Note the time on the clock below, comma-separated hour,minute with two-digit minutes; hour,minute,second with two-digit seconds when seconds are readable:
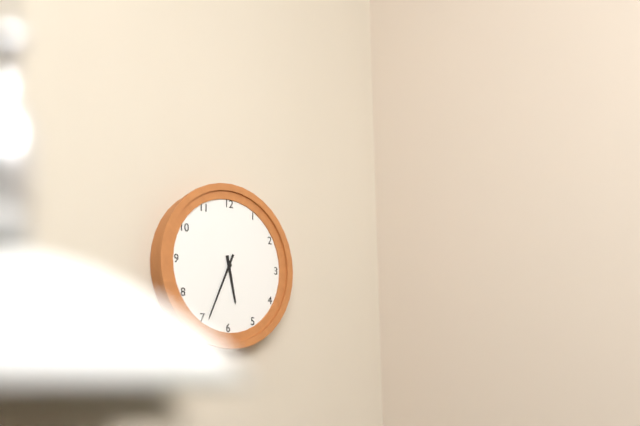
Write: 5,34
